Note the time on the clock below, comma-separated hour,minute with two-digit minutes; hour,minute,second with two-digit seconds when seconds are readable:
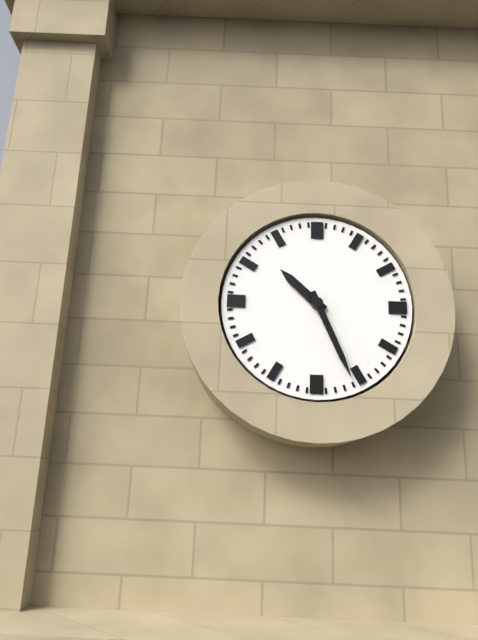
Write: 10,26
